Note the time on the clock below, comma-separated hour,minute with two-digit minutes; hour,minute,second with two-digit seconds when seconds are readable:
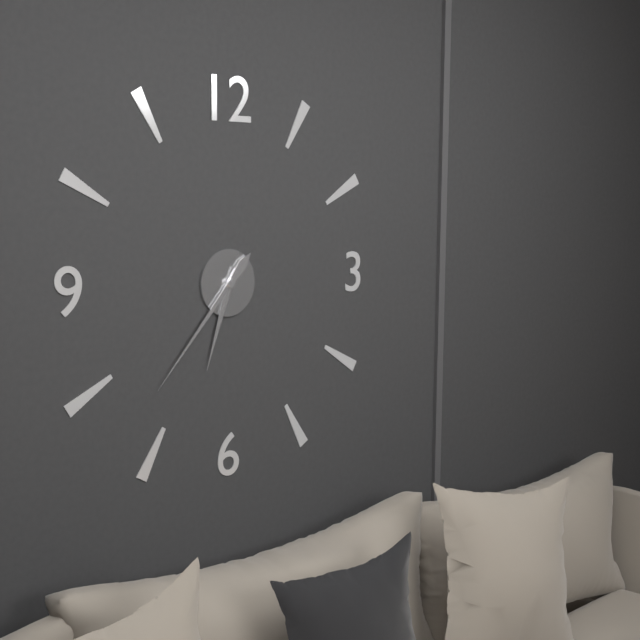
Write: 6,37
